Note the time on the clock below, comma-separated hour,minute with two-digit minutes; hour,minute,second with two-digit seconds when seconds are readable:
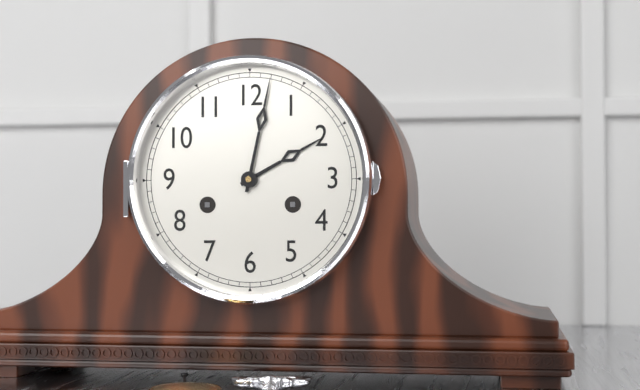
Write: 2,02
